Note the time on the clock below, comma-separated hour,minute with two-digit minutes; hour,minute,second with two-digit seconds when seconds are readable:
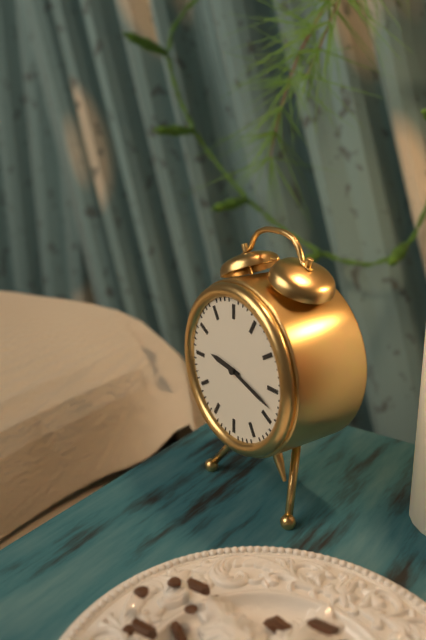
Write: 9,18
